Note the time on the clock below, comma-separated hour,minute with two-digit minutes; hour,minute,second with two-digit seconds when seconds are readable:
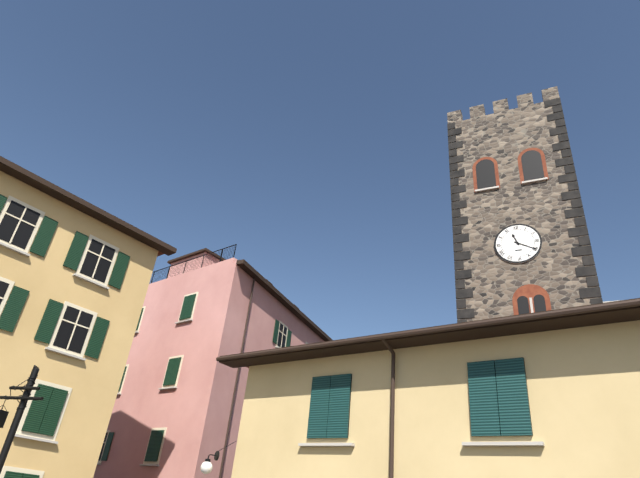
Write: 11,20
